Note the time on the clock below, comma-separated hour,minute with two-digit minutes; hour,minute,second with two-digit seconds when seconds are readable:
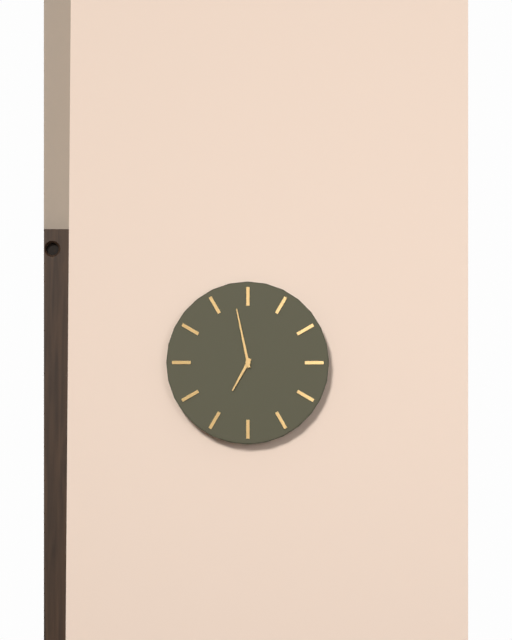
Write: 6,58
